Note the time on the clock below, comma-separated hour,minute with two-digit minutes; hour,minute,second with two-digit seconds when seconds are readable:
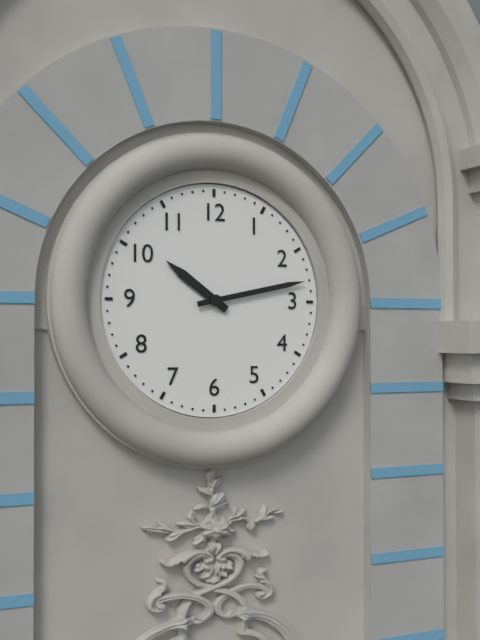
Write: 10,13
